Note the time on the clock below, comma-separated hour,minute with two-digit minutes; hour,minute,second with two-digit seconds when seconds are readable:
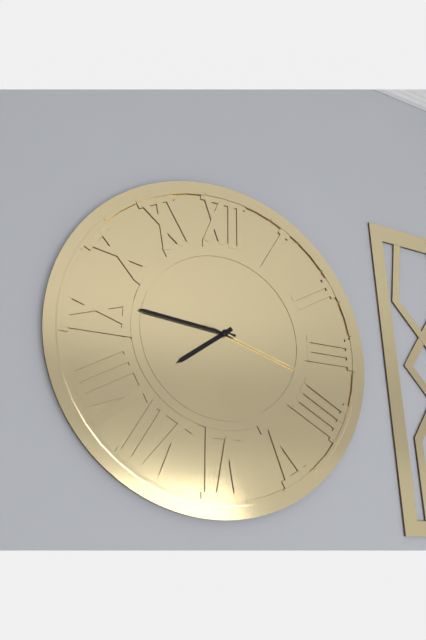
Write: 7,46,18
